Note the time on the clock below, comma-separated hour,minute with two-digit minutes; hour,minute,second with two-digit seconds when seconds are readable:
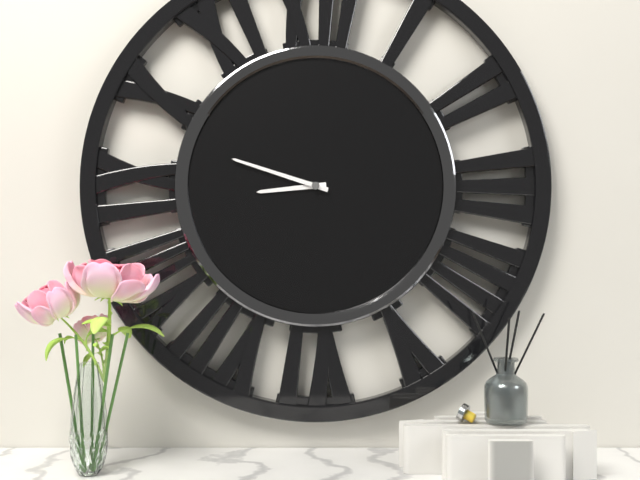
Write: 8,48
